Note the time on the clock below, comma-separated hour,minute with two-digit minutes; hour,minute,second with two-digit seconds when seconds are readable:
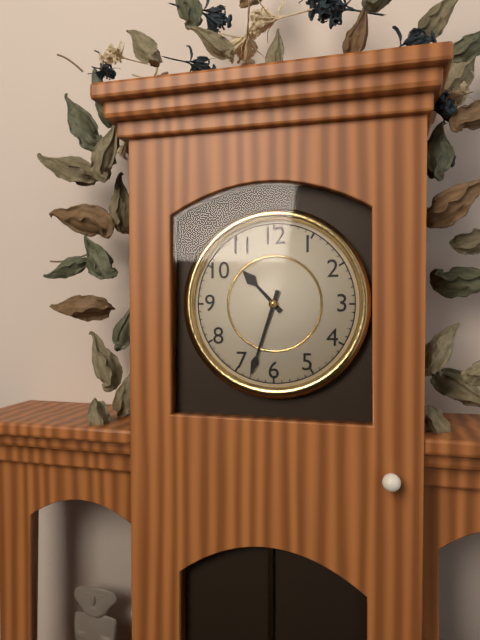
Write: 10,33
